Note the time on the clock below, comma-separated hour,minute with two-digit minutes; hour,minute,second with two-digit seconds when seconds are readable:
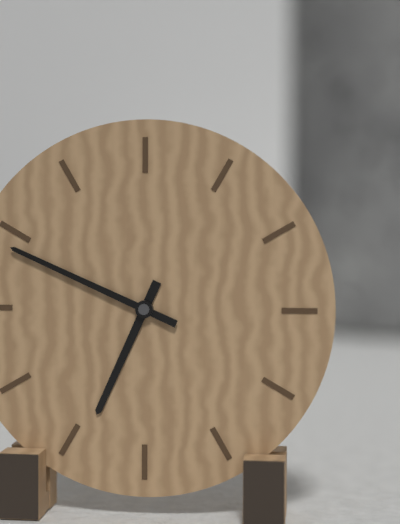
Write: 6,49
